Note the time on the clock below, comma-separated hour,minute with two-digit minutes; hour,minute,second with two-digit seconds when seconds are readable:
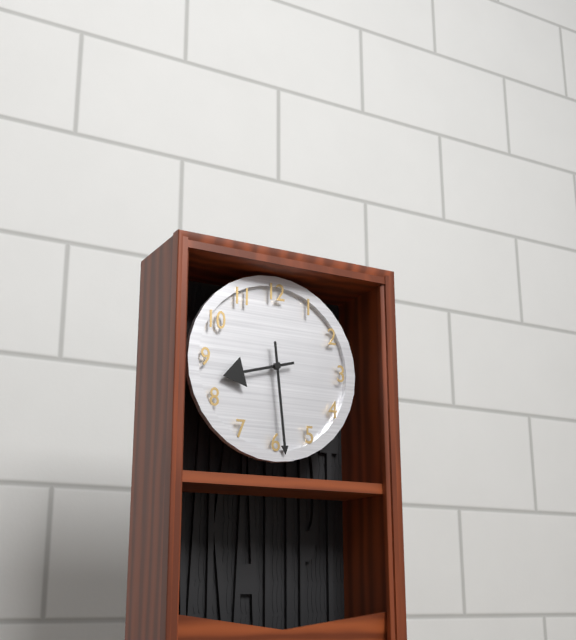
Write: 8,29
